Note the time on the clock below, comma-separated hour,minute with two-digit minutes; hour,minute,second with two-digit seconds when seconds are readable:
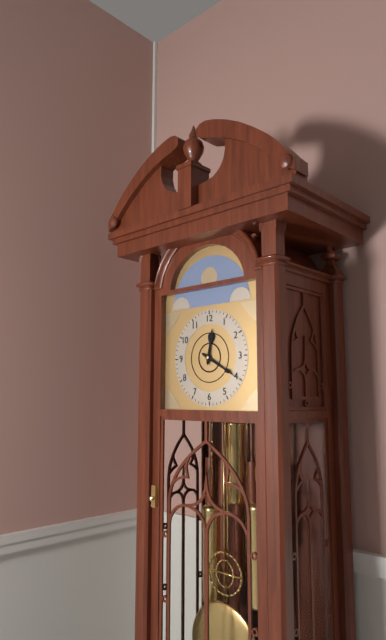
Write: 12,20
